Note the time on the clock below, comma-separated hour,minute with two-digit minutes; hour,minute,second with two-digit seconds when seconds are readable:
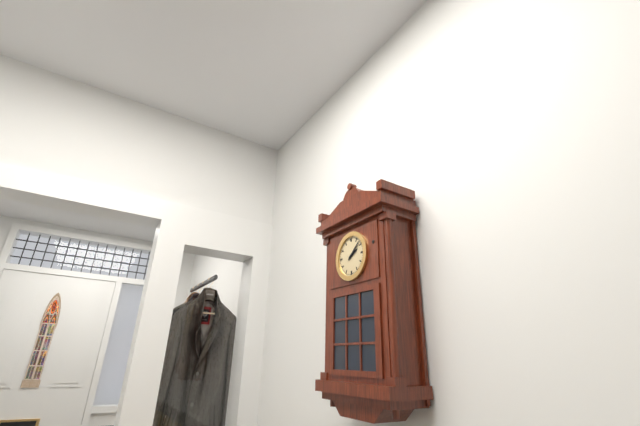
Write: 2,08
